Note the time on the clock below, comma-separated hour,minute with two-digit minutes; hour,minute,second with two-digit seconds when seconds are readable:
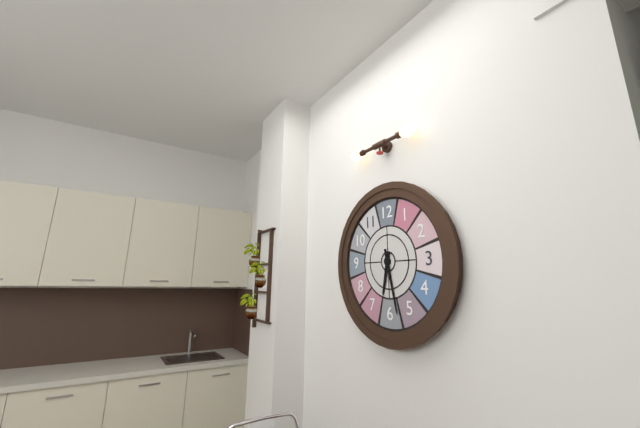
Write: 6,28
